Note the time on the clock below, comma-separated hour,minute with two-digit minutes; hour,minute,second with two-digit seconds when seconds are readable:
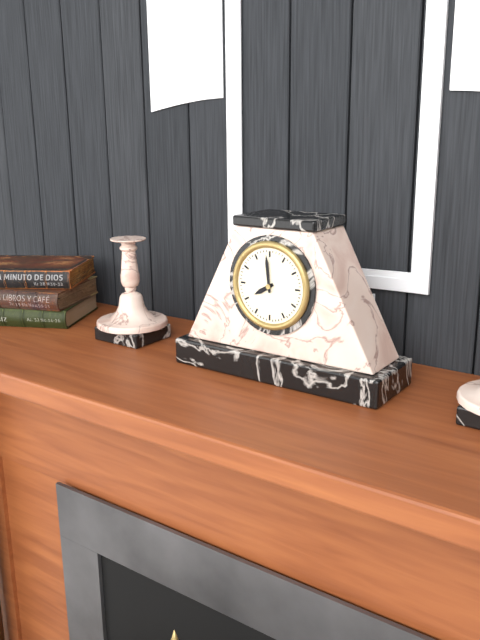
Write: 7,59
